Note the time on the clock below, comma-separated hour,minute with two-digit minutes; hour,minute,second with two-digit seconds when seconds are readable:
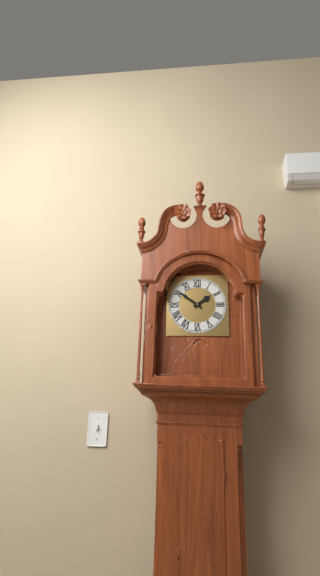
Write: 1,51
